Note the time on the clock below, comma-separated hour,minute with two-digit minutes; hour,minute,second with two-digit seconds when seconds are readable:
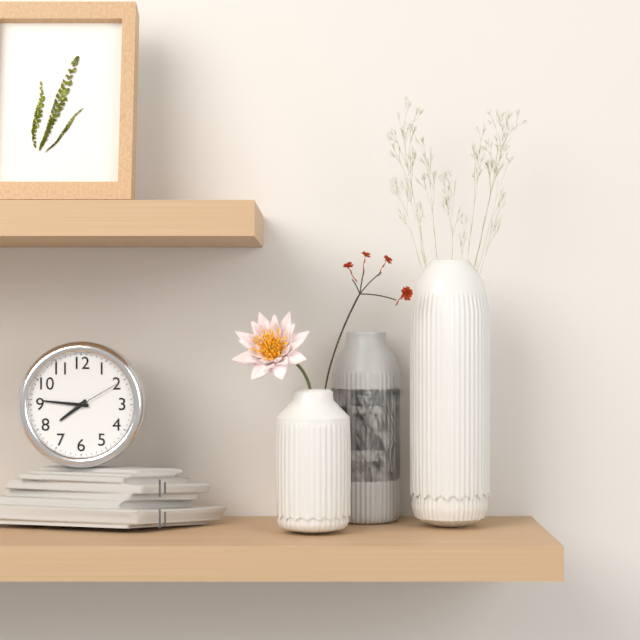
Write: 7,46,10
